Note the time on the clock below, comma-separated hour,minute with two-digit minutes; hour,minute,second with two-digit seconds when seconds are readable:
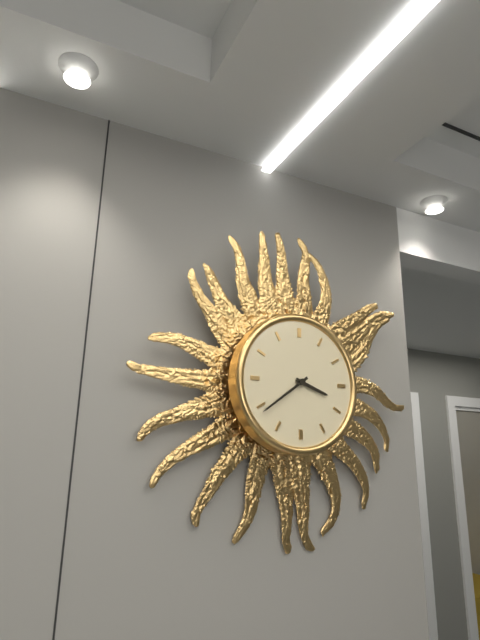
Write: 3,39
